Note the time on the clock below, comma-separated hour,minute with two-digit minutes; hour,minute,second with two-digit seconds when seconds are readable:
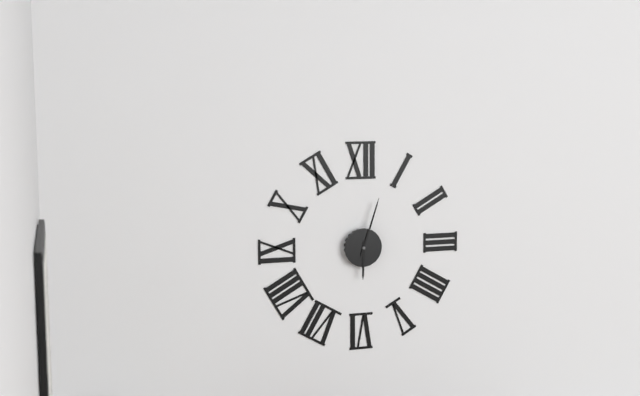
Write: 6,03
